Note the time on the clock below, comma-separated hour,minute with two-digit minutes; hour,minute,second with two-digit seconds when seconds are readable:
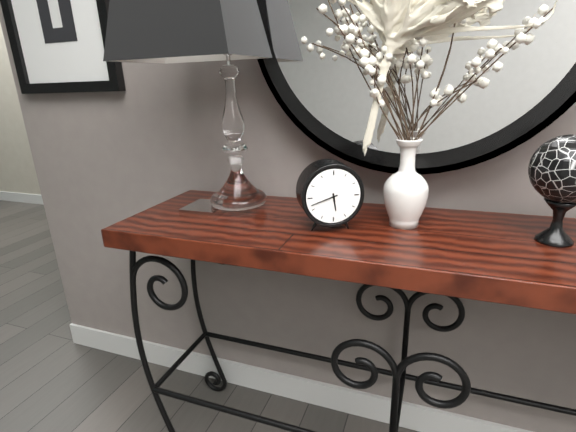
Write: 5,42
